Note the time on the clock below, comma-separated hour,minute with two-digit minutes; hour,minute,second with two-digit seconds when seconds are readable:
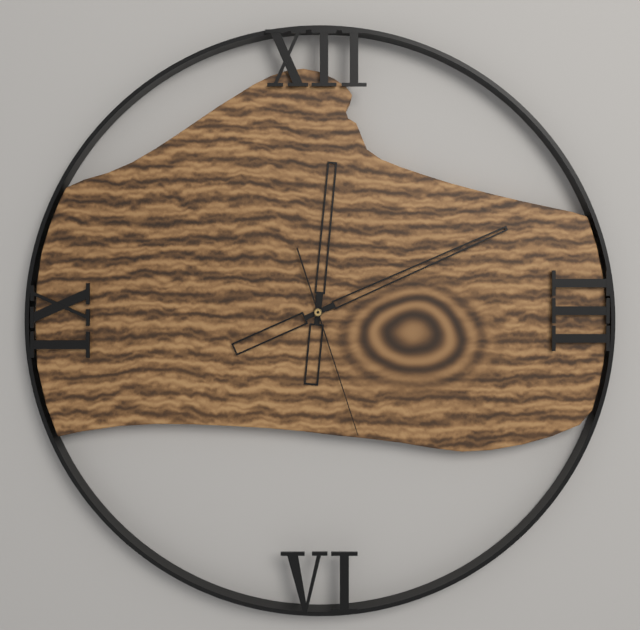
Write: 12,11,27
